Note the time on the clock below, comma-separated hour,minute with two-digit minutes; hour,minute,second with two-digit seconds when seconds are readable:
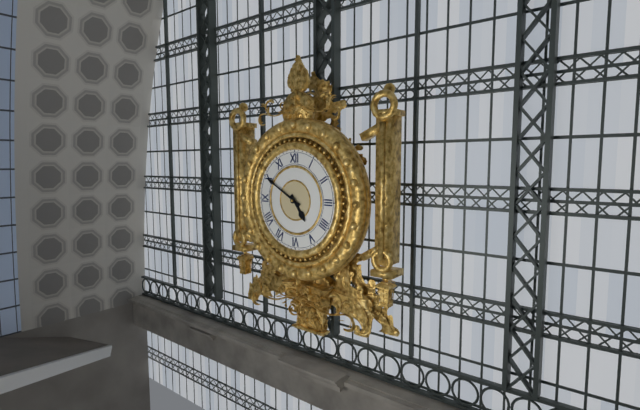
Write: 4,50
